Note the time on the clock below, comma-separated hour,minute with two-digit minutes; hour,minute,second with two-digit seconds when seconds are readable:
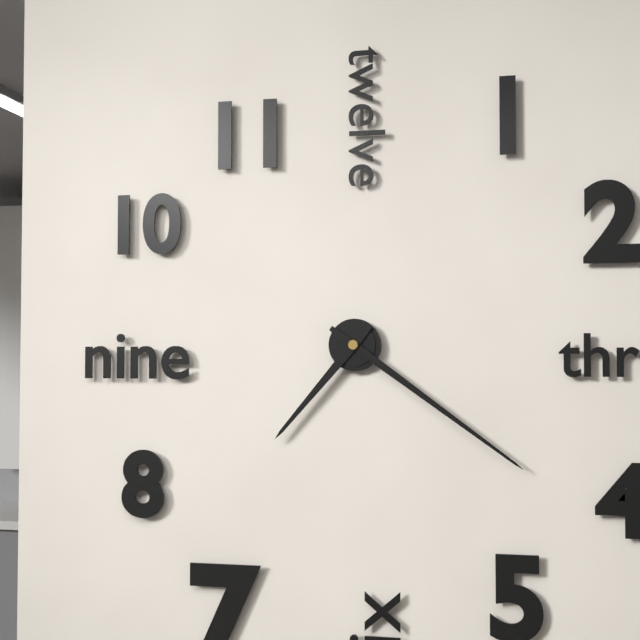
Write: 7,21
